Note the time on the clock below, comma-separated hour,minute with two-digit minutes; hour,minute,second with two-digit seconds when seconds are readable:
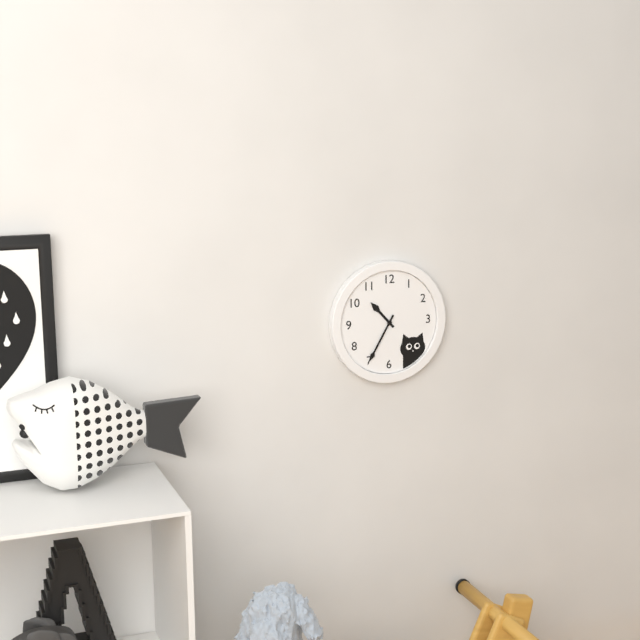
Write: 10,35
